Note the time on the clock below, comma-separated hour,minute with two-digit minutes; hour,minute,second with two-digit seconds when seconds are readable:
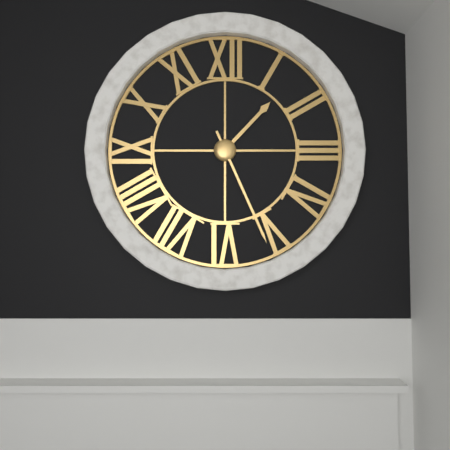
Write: 1,26
